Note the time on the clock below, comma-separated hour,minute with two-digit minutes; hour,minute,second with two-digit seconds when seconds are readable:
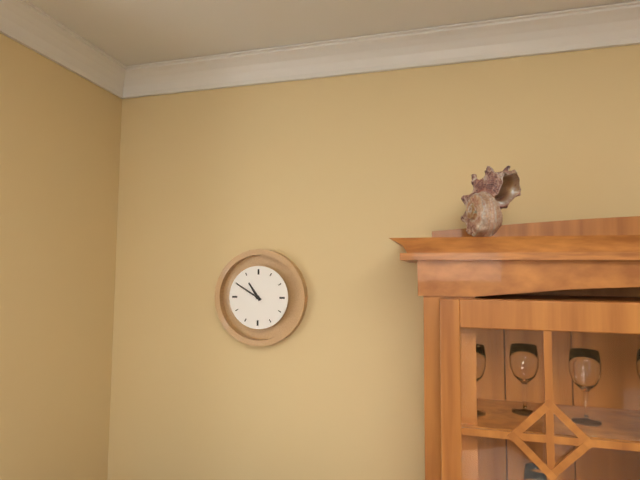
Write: 10,50
